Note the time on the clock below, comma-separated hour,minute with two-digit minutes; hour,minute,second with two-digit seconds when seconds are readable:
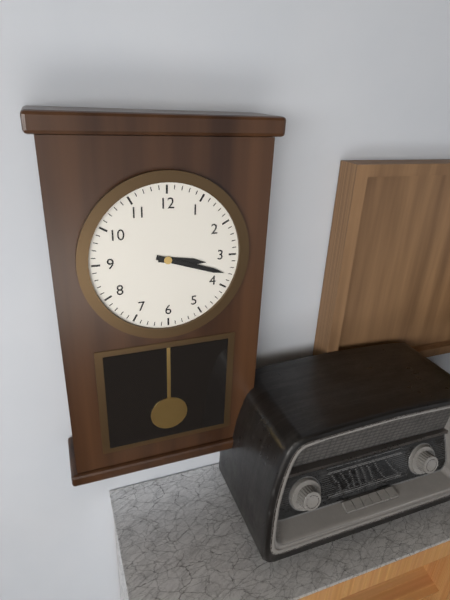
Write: 3,18
